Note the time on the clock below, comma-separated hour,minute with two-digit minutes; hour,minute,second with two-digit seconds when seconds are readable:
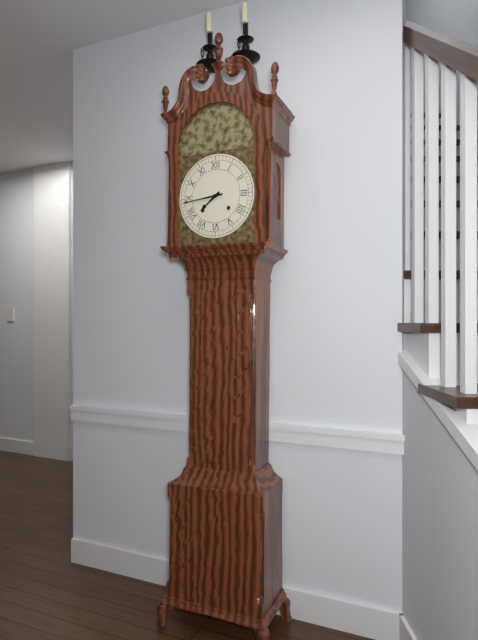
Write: 7,44
